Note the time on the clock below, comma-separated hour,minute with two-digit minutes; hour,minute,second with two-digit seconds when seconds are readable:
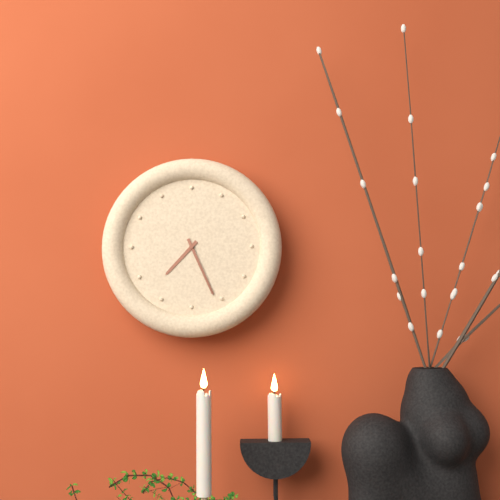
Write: 7,26
